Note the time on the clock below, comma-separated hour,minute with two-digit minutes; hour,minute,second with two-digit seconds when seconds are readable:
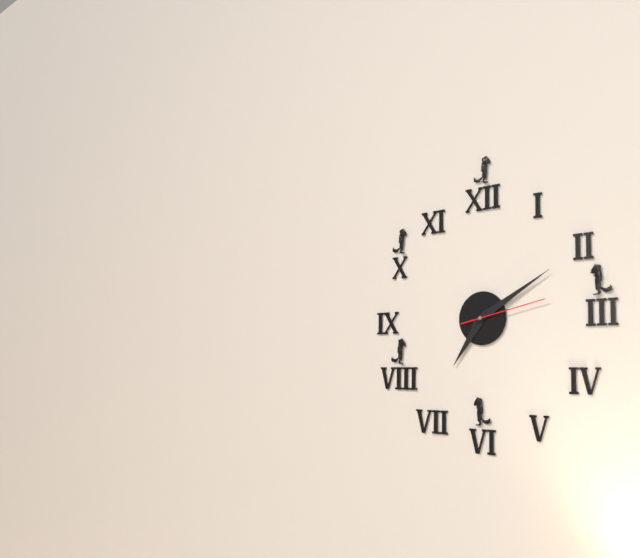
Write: 7,10,13
